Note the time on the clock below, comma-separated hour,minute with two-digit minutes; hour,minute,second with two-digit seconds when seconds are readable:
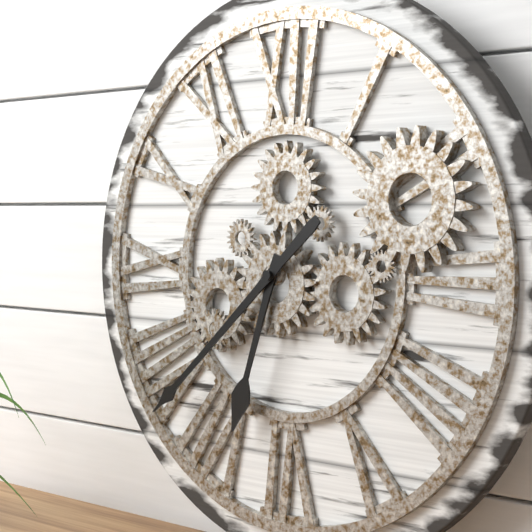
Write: 6,38
